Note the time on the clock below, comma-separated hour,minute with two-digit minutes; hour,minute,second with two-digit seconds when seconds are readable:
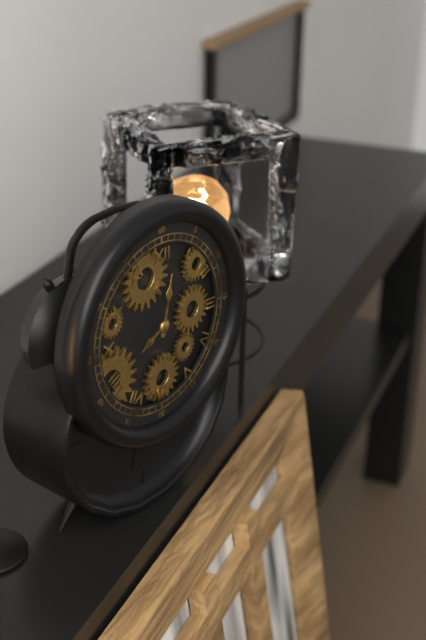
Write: 8,02
